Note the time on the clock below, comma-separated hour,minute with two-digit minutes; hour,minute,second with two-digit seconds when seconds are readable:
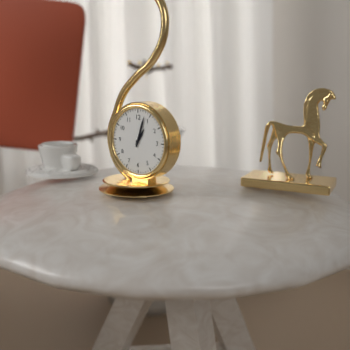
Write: 1,03
